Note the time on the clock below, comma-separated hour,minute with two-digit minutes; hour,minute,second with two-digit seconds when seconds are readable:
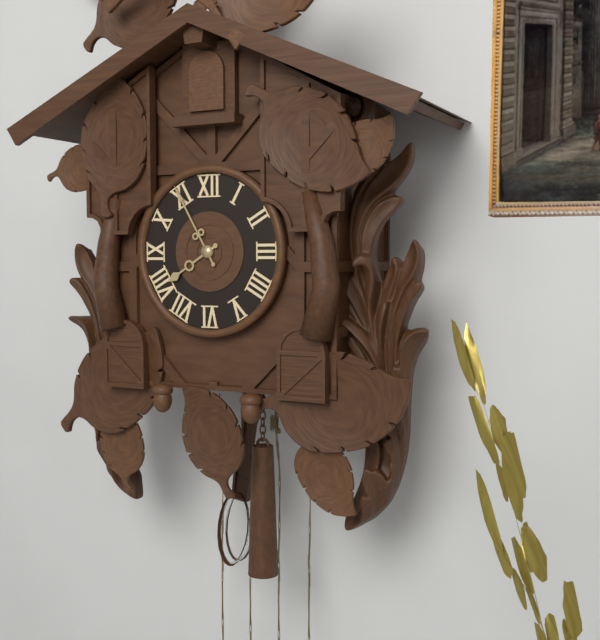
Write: 7,55
